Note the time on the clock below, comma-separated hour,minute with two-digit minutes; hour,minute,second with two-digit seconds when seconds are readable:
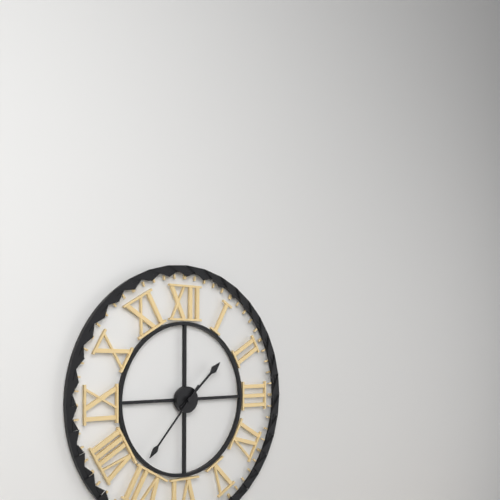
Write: 1,37
